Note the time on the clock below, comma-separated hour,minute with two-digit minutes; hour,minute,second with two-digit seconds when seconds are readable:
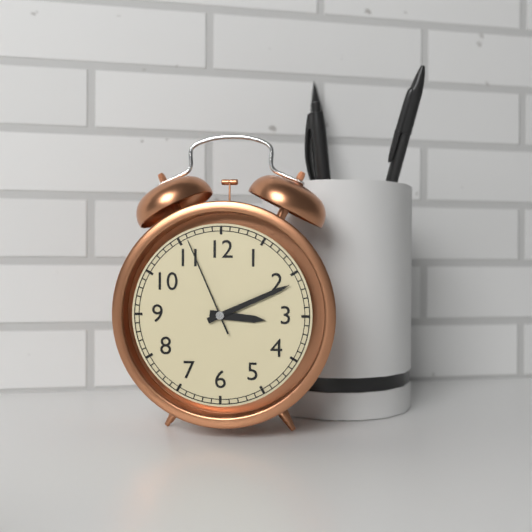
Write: 3,11,56
